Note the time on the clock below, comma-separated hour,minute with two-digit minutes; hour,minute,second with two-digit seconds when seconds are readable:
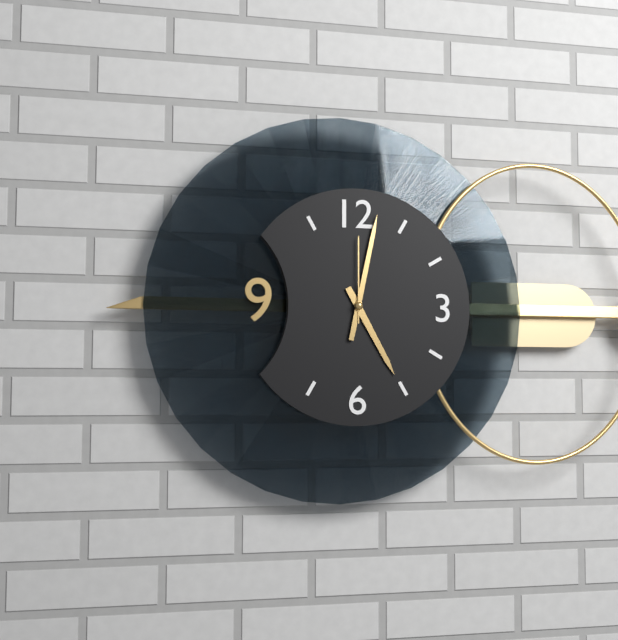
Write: 5,02,00
